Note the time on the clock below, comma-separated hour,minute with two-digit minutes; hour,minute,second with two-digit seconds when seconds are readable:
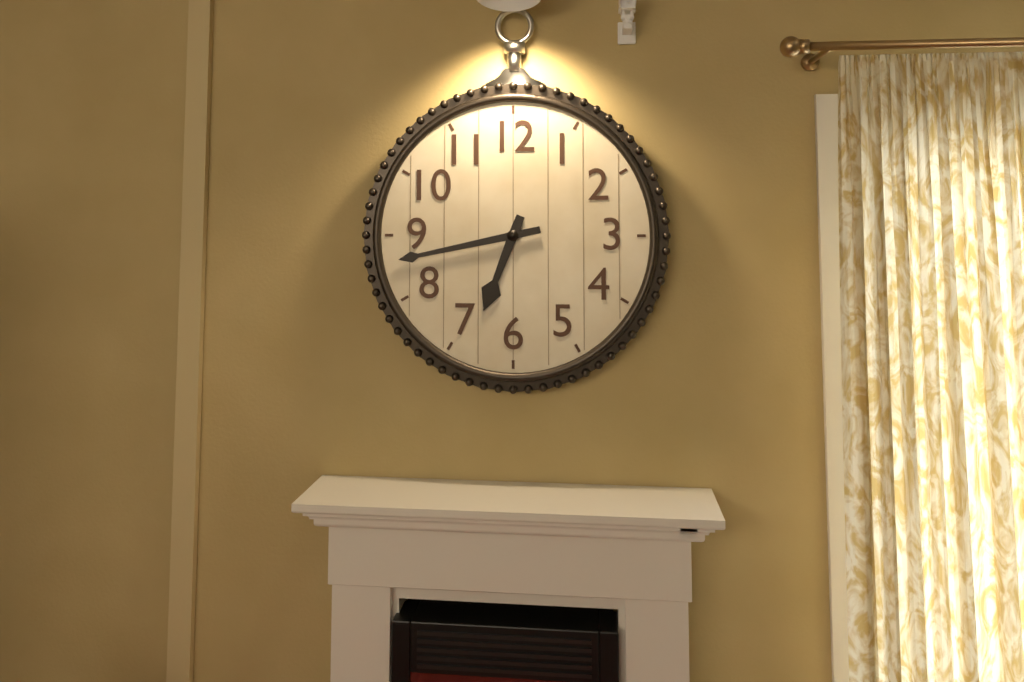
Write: 6,43
